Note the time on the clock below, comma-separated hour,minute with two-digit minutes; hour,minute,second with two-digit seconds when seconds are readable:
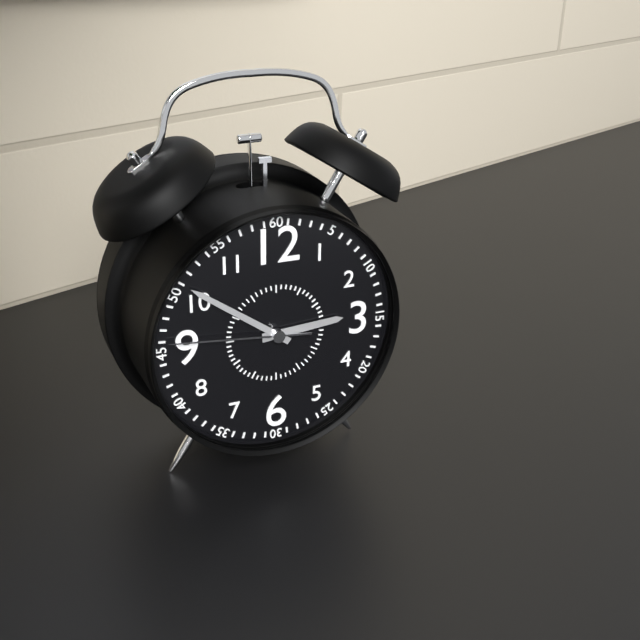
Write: 2,51,46
